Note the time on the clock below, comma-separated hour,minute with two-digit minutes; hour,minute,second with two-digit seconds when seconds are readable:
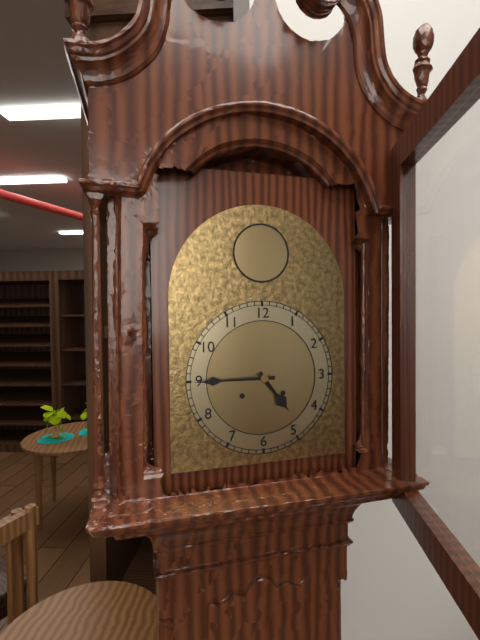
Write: 4,45
